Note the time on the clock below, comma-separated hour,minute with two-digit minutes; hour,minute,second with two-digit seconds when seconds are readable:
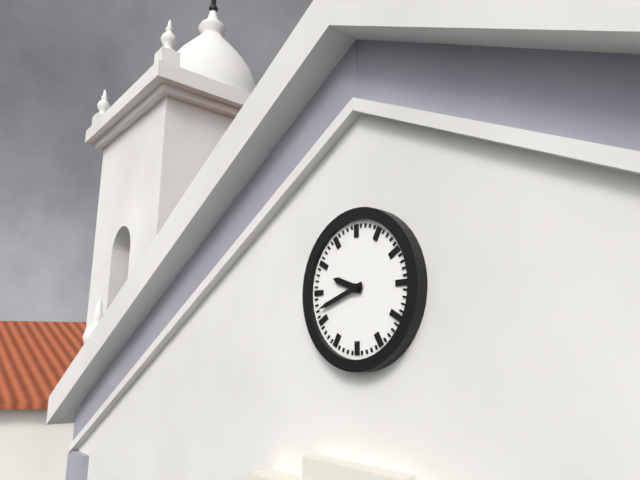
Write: 9,42
